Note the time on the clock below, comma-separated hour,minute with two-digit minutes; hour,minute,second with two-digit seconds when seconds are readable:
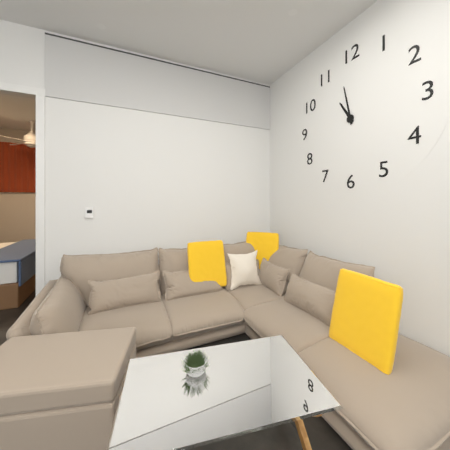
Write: 10,58
